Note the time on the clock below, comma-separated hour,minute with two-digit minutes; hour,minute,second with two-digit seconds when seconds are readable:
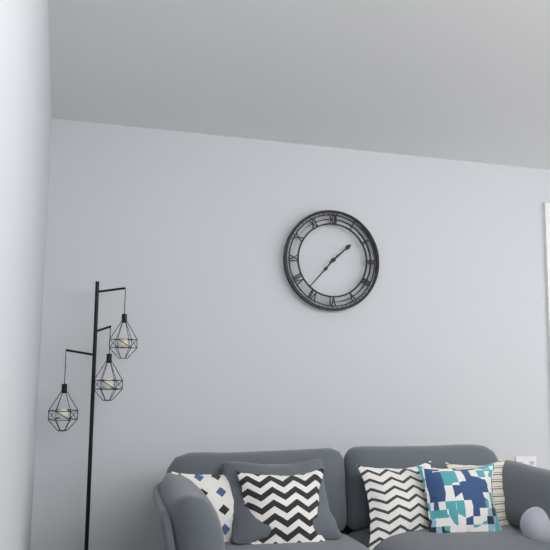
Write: 1,37
